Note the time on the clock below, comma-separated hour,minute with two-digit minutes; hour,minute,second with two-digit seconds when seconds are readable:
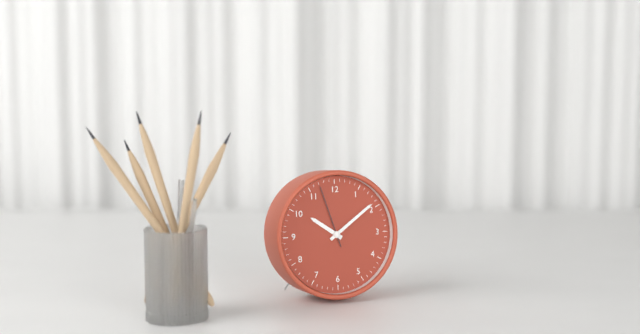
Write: 10,09,57
